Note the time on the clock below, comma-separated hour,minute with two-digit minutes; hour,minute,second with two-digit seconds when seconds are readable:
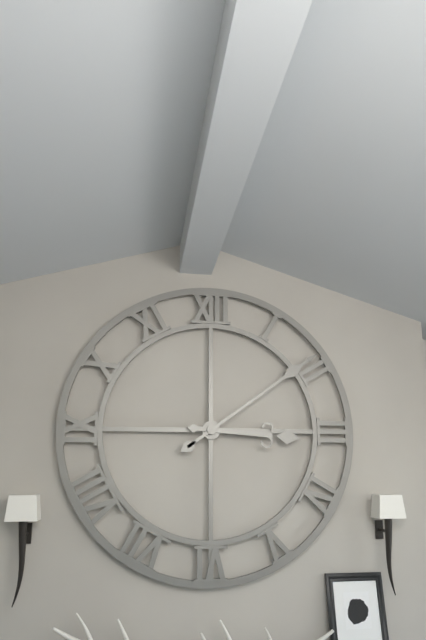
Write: 3,09
